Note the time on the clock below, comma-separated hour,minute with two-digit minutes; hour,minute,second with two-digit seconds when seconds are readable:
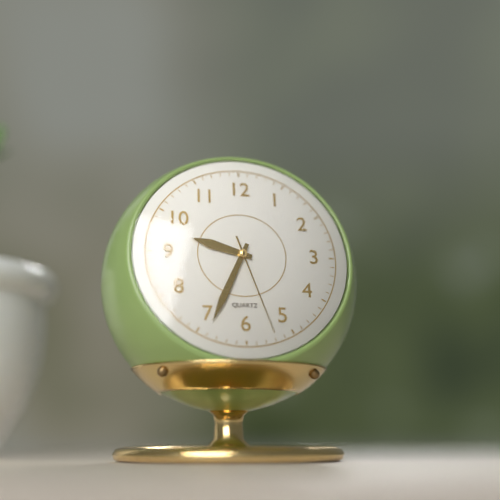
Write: 9,34,27
